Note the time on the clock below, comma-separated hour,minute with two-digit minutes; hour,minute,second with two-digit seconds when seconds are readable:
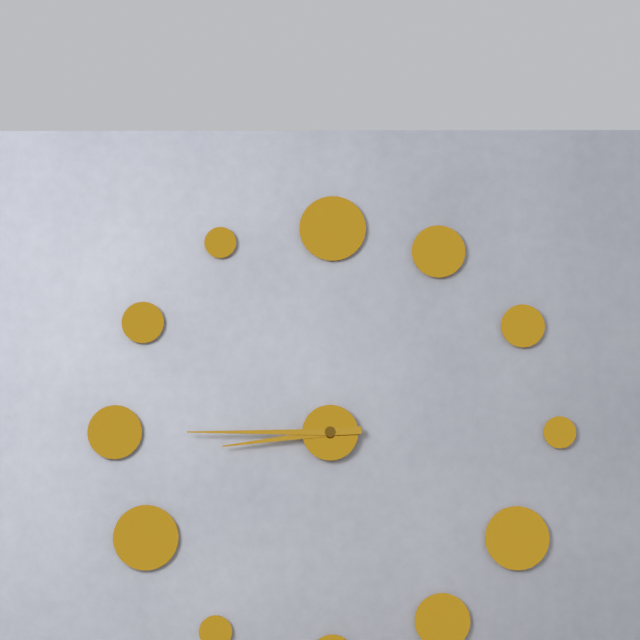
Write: 8,45
